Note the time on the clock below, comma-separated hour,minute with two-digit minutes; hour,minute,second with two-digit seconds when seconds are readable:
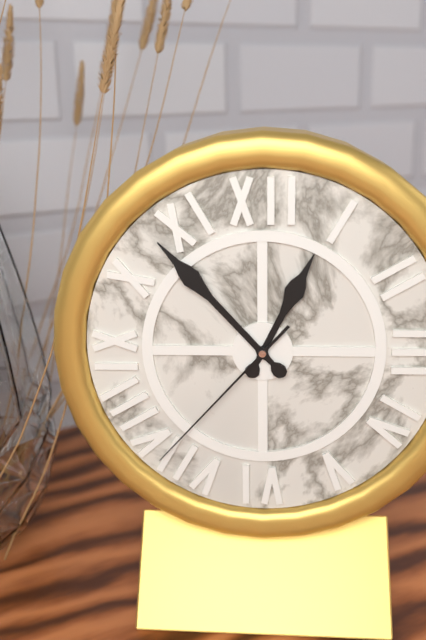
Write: 12,53,37
